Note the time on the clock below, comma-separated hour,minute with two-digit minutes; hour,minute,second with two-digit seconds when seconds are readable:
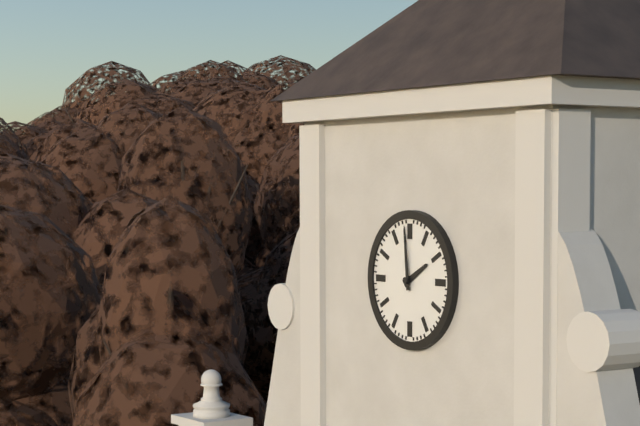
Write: 1,59
